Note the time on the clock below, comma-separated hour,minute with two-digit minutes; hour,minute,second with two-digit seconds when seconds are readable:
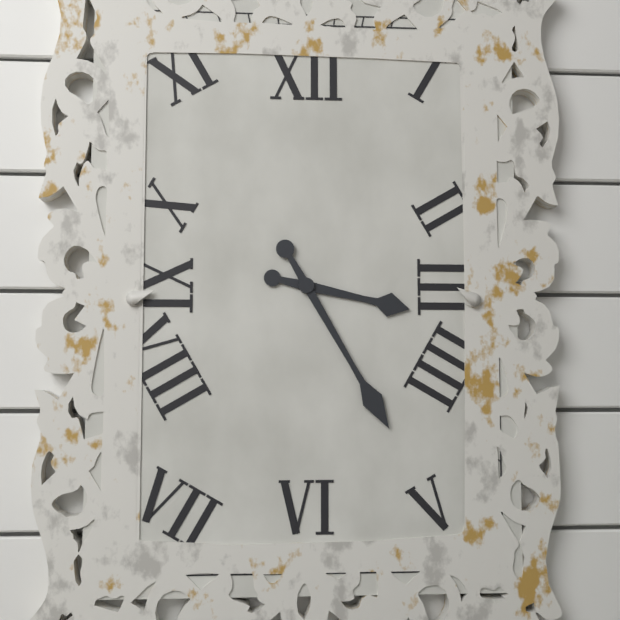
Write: 3,25
